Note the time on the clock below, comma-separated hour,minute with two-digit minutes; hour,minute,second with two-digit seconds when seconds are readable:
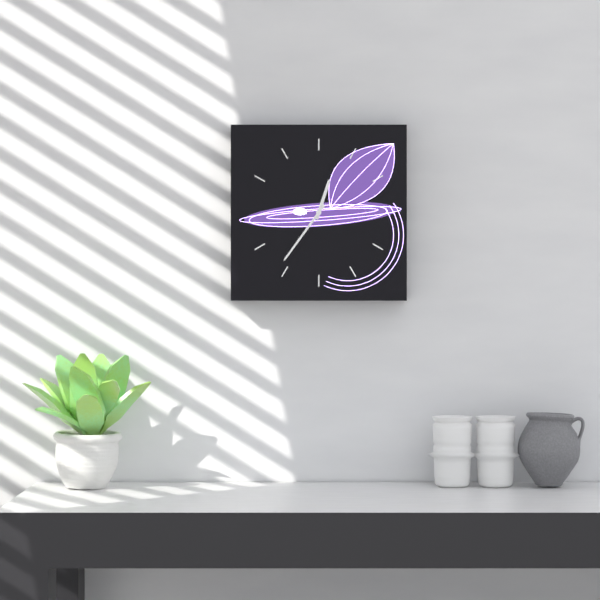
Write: 12,36
